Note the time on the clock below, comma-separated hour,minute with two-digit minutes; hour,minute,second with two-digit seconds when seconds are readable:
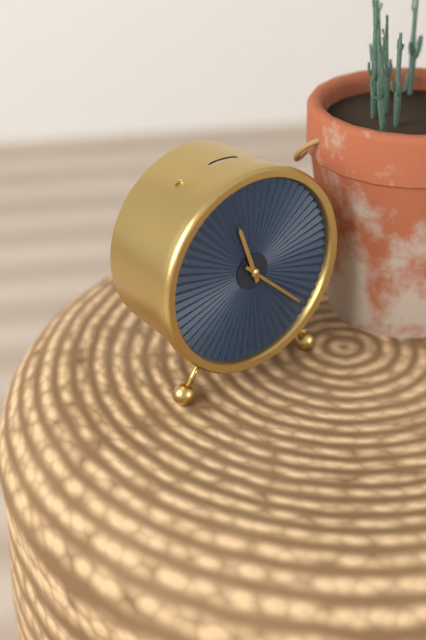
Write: 11,22
